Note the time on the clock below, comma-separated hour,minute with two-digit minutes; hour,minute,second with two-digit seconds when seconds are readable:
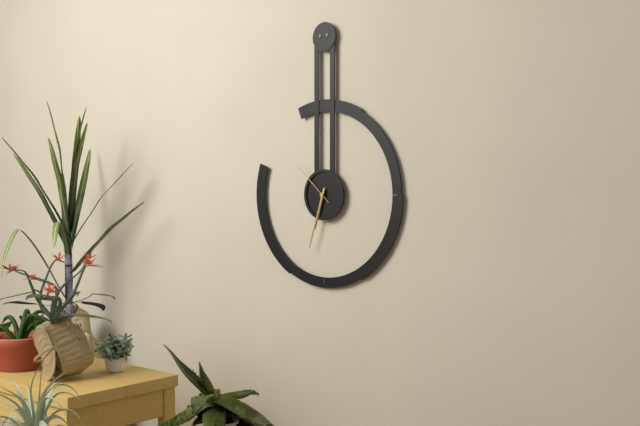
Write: 6,33
